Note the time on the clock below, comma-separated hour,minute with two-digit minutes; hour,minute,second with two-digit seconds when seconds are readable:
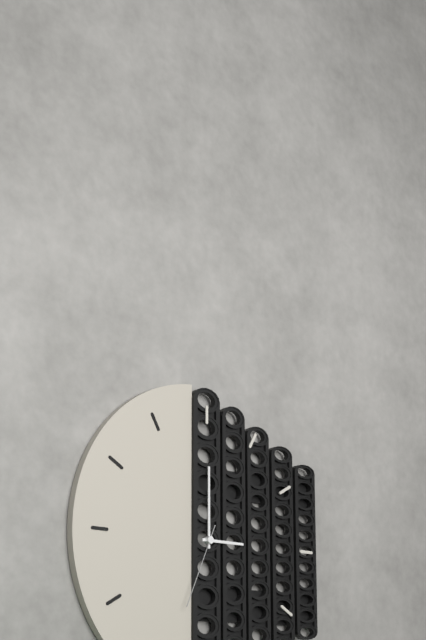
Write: 3,00,34
